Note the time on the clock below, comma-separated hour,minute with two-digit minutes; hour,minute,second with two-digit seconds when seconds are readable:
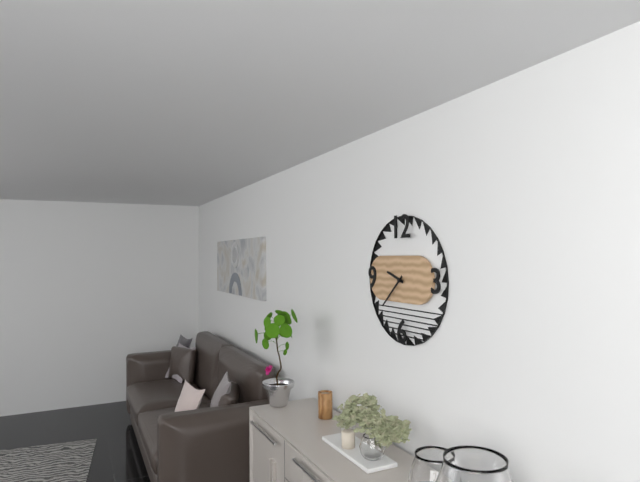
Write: 9,38
